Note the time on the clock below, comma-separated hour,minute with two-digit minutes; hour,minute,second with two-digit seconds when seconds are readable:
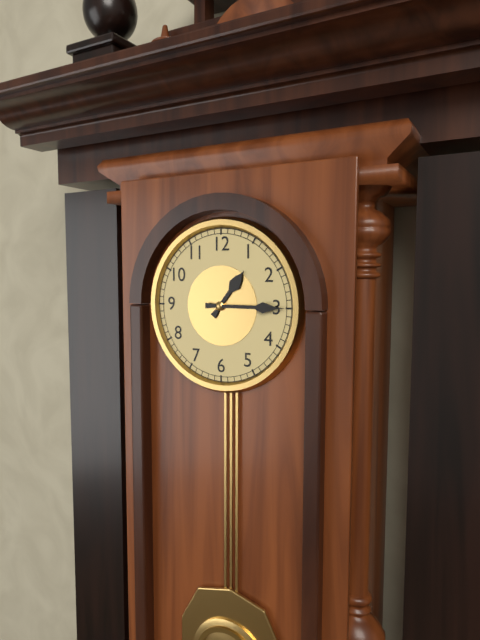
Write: 1,15
